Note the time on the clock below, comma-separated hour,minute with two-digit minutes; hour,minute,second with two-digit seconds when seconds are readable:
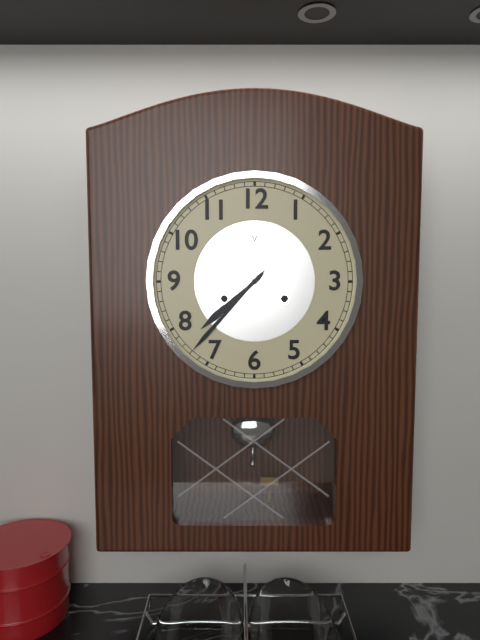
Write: 7,37
